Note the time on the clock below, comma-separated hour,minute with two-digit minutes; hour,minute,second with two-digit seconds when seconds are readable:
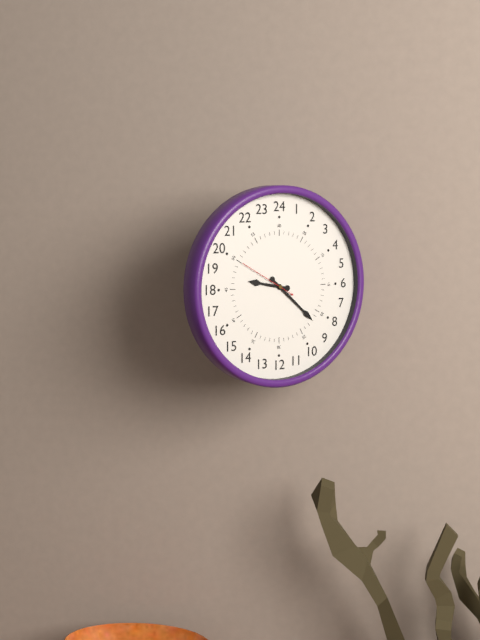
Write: 9,22
